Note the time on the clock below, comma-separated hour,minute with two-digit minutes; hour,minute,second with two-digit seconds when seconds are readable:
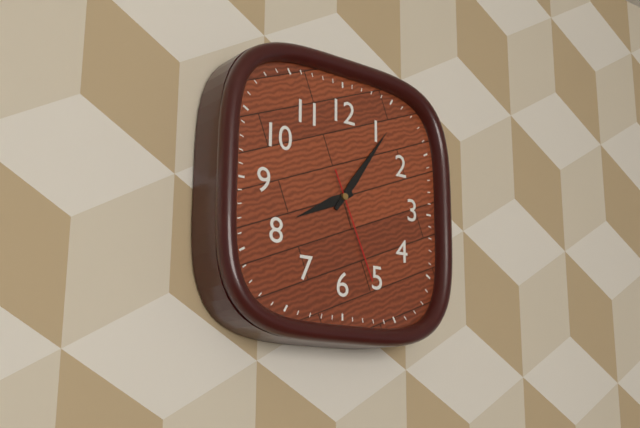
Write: 8,06,26
